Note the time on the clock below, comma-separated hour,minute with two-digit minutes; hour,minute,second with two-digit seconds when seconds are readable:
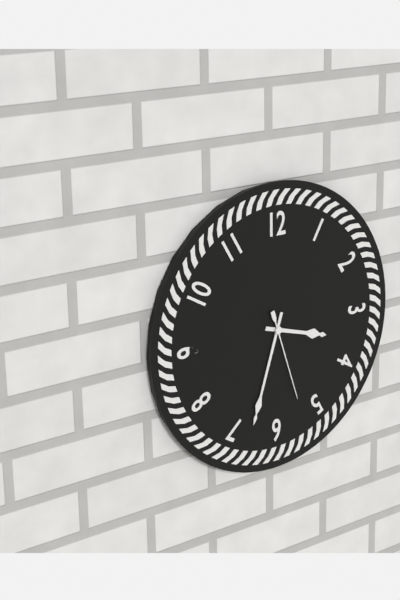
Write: 3,33,27
